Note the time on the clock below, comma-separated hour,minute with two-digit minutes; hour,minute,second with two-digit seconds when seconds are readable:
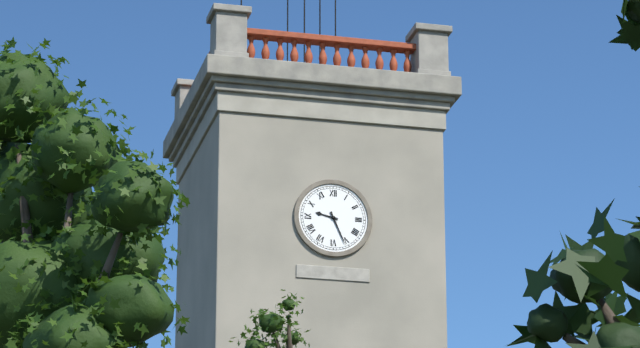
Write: 9,26
